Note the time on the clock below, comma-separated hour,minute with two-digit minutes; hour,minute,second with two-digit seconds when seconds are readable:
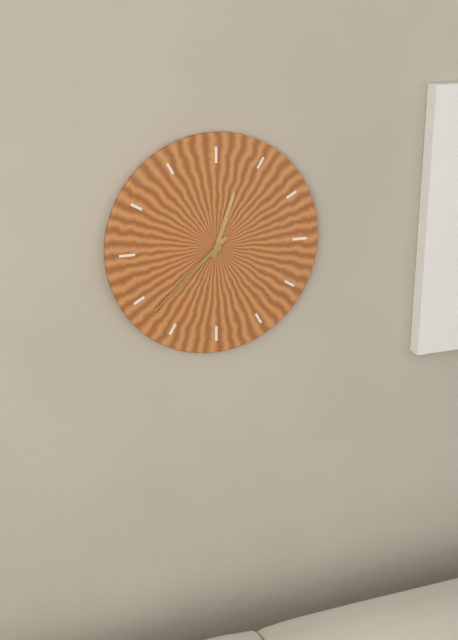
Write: 12,38
